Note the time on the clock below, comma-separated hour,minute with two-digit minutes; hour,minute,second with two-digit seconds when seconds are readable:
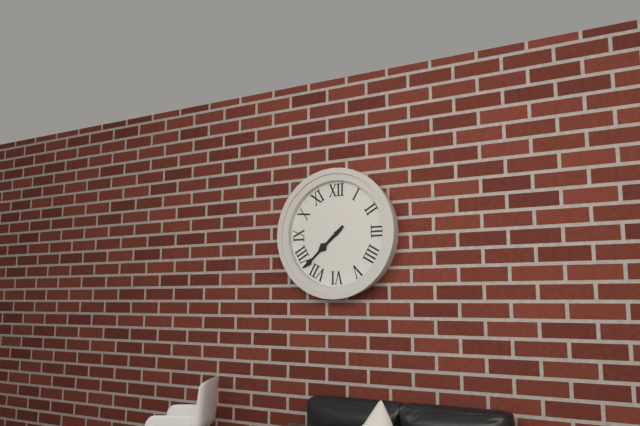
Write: 7,38
